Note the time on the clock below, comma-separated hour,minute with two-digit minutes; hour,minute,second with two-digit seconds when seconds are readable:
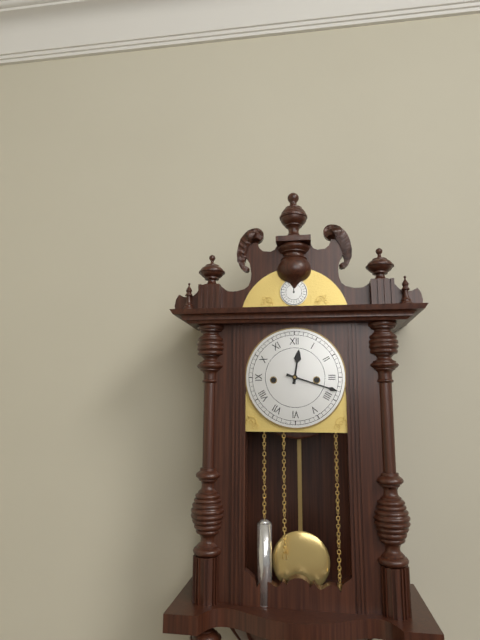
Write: 12,18
